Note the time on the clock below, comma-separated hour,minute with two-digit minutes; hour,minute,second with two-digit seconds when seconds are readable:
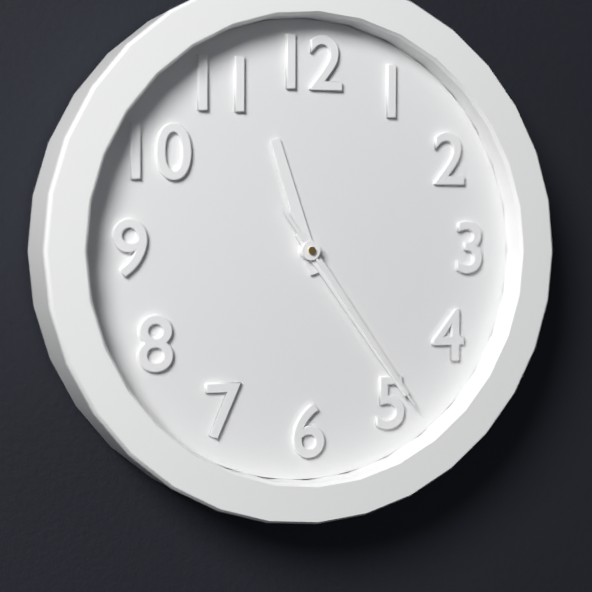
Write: 11,24,24
